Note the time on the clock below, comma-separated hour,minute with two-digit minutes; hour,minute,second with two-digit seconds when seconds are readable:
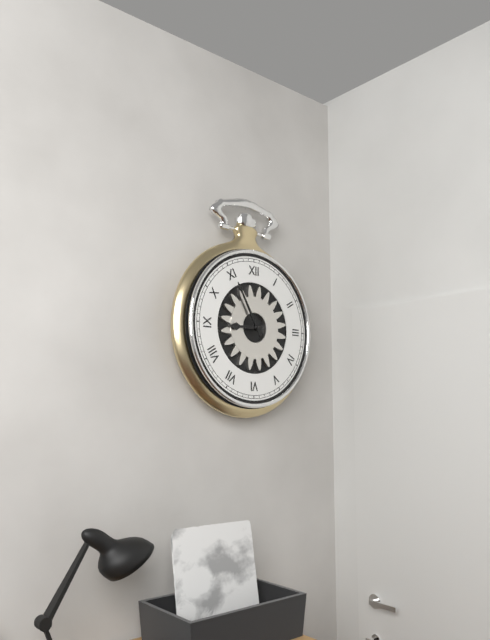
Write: 8,55
